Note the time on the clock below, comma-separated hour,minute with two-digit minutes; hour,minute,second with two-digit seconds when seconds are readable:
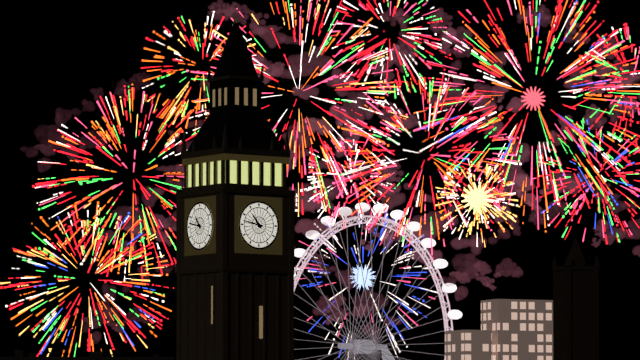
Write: 10,47
